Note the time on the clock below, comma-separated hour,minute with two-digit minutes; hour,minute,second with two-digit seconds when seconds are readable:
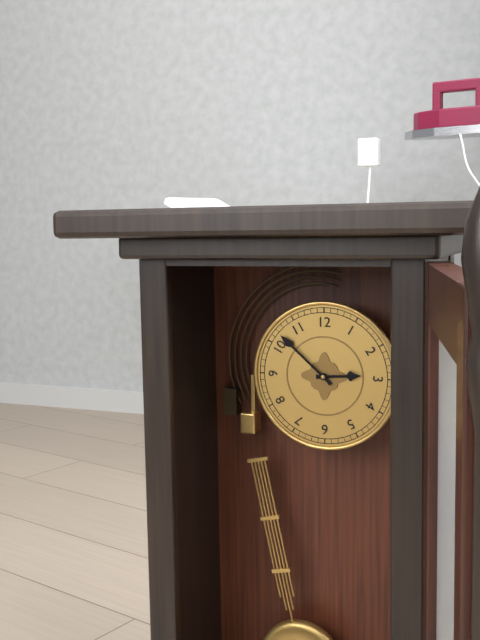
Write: 2,52
